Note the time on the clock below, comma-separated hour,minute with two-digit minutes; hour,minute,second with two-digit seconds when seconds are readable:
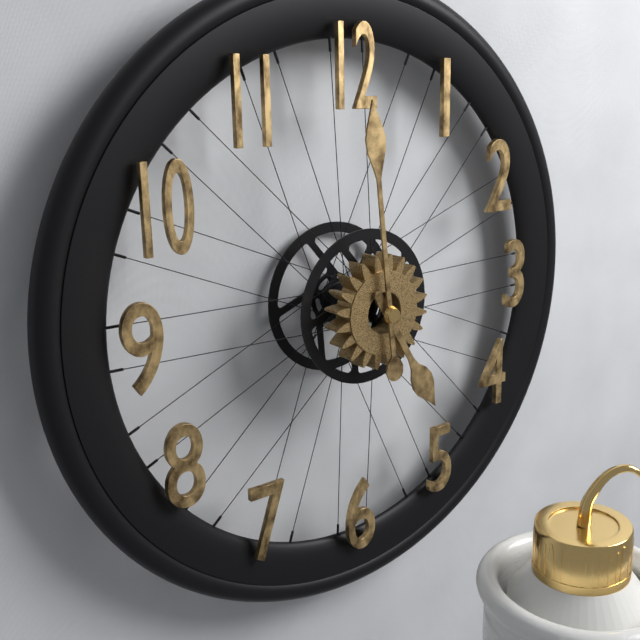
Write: 4,59
